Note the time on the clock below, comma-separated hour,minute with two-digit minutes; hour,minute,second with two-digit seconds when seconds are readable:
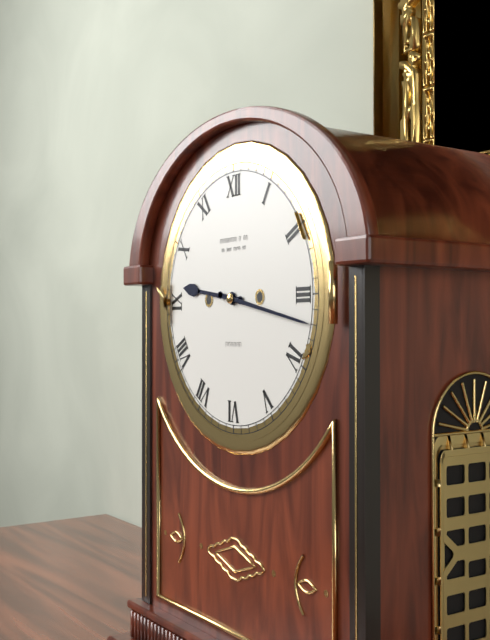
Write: 9,17
